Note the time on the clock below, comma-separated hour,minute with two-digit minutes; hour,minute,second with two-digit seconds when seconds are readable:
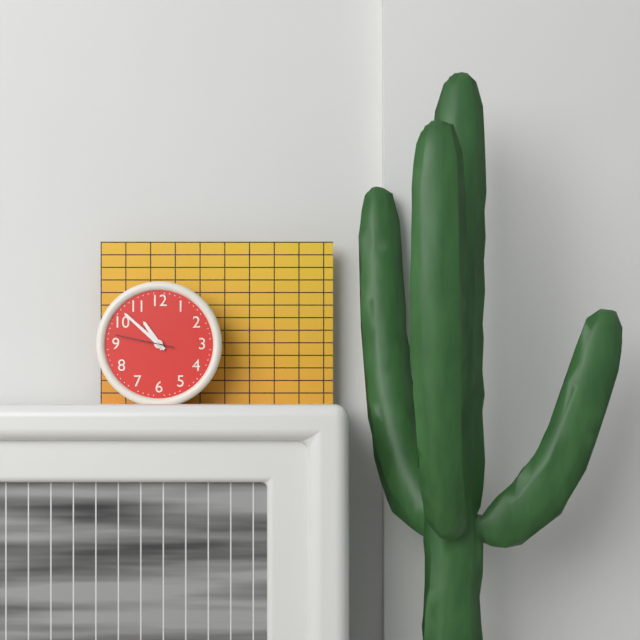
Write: 10,52,47
